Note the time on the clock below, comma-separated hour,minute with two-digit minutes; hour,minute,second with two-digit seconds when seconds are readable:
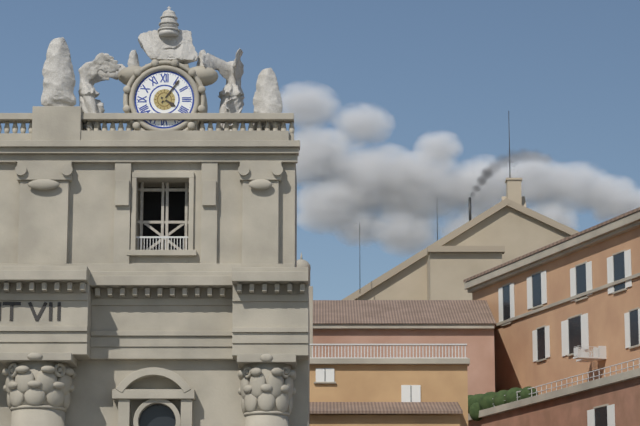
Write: 4,06
